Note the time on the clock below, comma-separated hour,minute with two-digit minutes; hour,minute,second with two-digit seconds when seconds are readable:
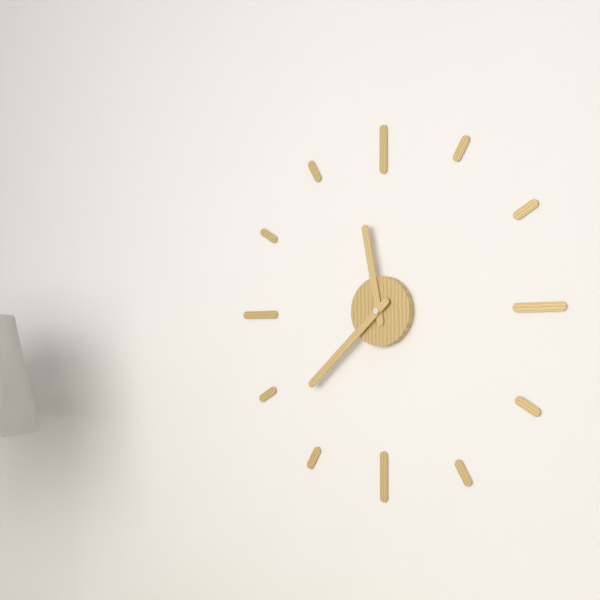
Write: 11,38
